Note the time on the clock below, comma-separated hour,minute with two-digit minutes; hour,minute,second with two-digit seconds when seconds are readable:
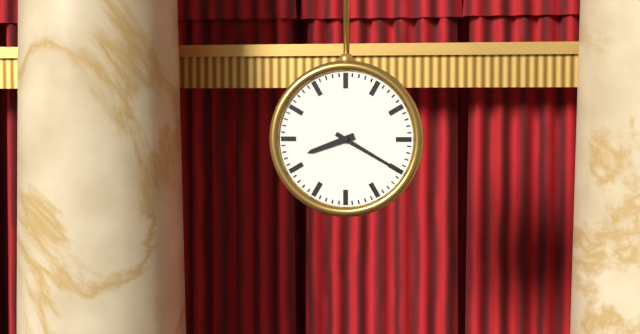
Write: 8,20
